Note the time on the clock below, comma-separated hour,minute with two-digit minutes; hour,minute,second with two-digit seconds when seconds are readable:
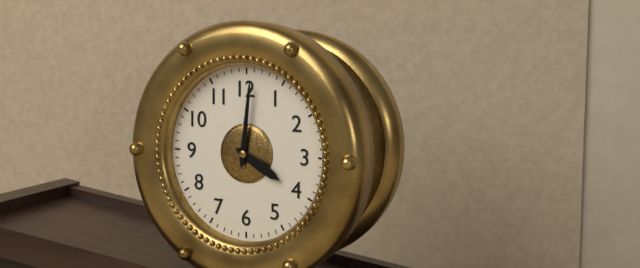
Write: 4,01
